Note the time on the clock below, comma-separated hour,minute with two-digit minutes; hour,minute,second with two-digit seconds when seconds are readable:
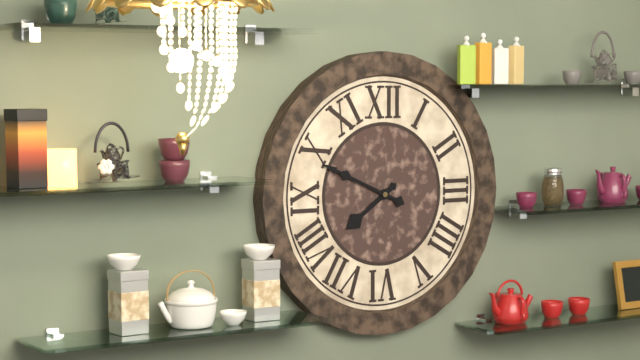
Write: 7,49
